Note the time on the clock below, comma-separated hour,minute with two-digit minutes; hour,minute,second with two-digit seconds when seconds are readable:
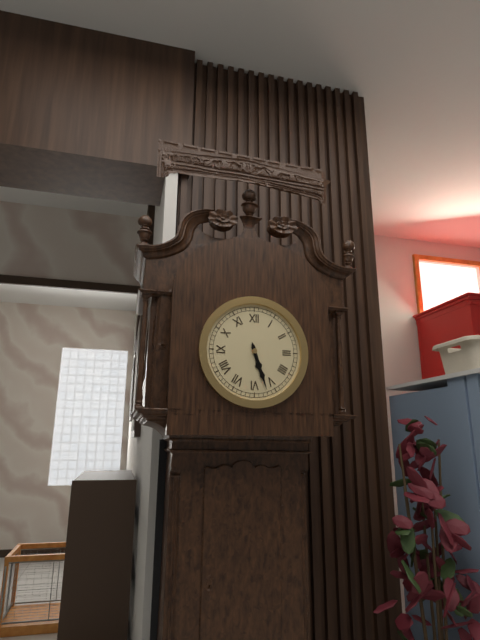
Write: 5,27
